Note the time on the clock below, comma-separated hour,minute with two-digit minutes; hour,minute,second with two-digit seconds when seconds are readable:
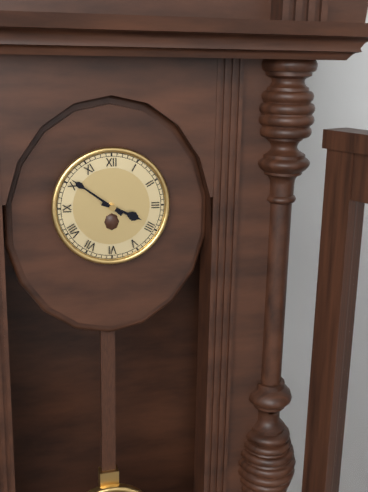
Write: 3,51
